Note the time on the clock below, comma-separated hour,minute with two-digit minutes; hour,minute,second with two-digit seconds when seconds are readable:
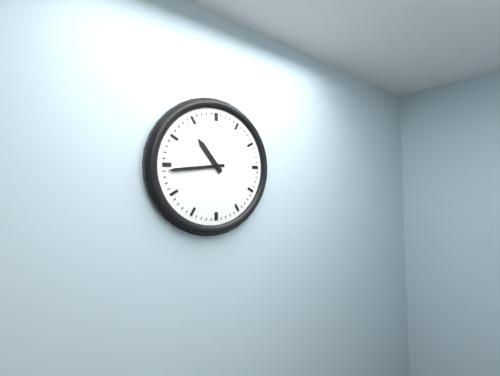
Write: 10,44
